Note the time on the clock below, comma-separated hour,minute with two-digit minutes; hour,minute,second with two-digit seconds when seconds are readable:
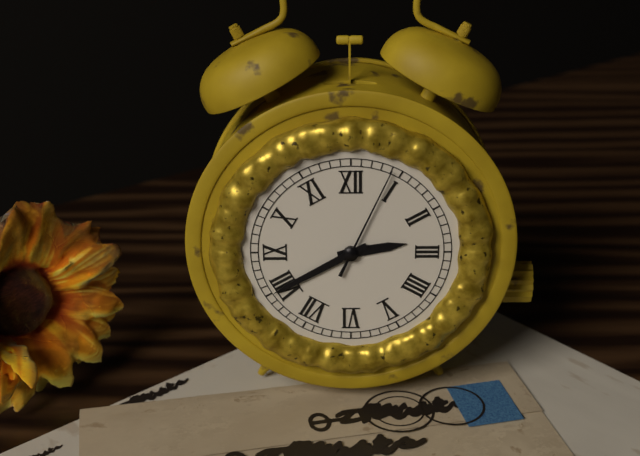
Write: 2,40,04
